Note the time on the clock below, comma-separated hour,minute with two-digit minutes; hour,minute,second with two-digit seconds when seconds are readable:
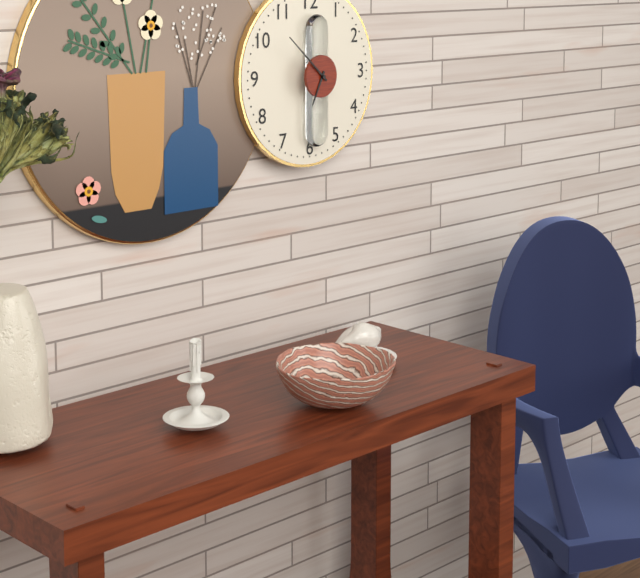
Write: 6,52
